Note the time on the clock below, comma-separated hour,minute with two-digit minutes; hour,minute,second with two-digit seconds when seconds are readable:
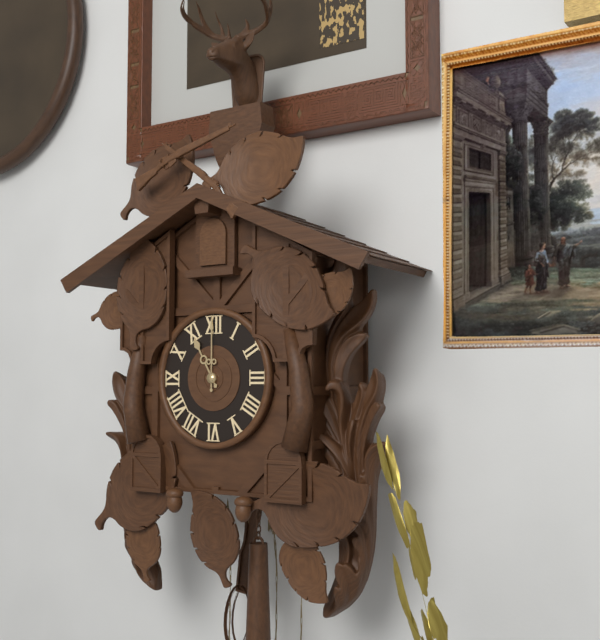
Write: 11,00
